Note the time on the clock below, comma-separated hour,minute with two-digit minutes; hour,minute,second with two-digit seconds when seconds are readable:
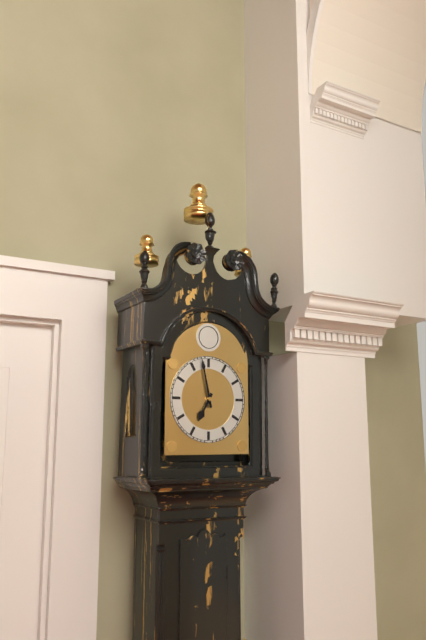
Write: 6,58
